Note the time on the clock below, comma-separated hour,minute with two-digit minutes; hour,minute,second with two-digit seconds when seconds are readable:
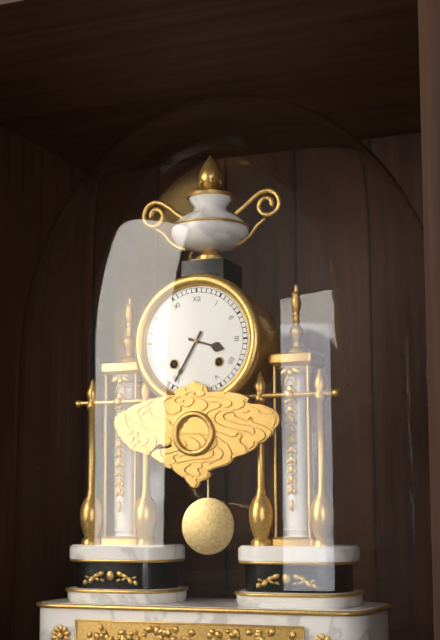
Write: 3,35
